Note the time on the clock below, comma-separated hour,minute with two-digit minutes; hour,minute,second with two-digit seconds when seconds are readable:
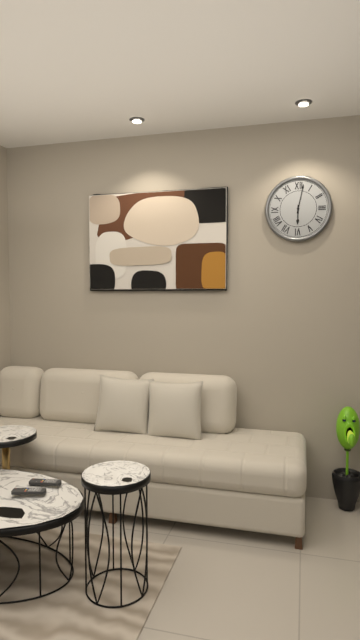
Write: 6,02
